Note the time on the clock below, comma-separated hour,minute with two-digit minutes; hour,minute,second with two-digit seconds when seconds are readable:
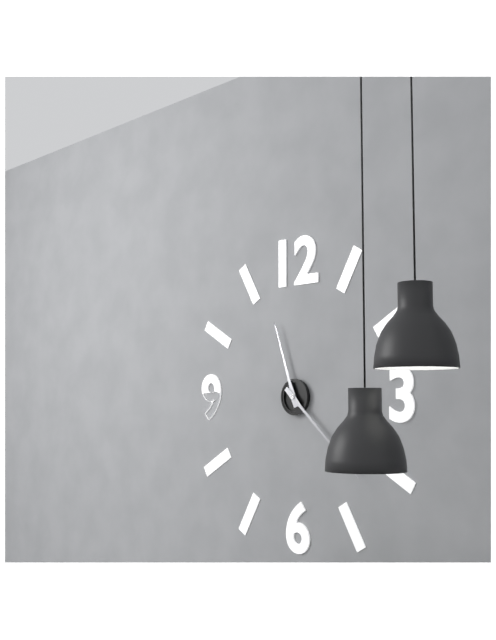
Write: 11,22
